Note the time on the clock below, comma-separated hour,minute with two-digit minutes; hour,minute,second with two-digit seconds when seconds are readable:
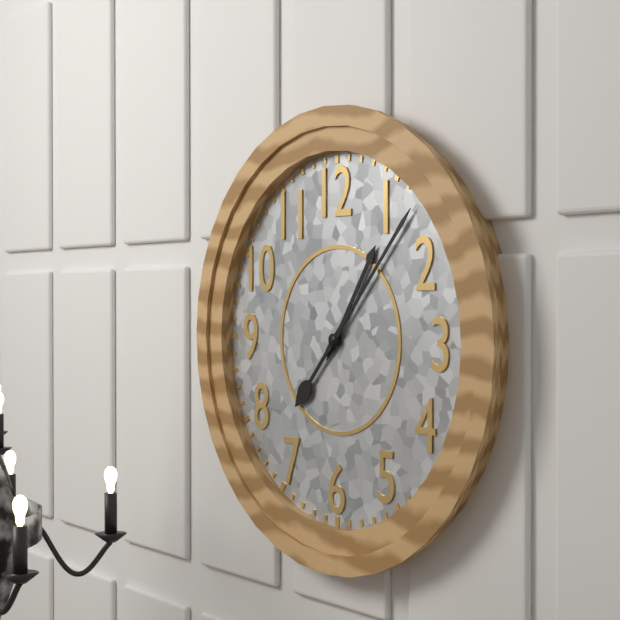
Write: 1,07
